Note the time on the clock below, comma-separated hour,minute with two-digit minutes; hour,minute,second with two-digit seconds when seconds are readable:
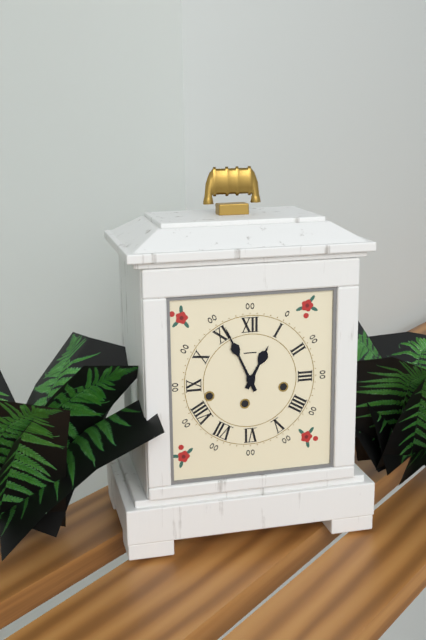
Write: 12,56
